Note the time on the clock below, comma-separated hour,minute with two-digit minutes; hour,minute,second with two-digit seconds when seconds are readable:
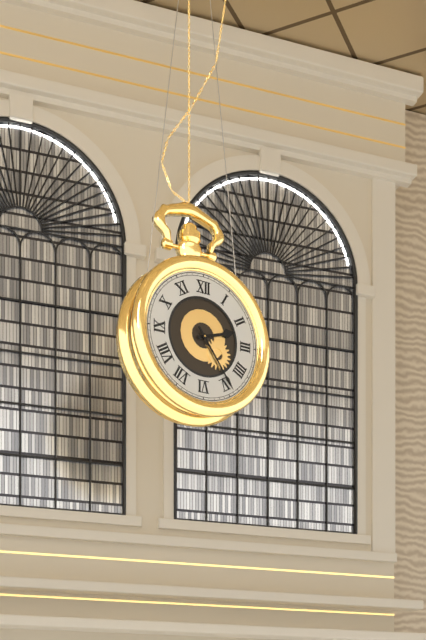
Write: 2,24
